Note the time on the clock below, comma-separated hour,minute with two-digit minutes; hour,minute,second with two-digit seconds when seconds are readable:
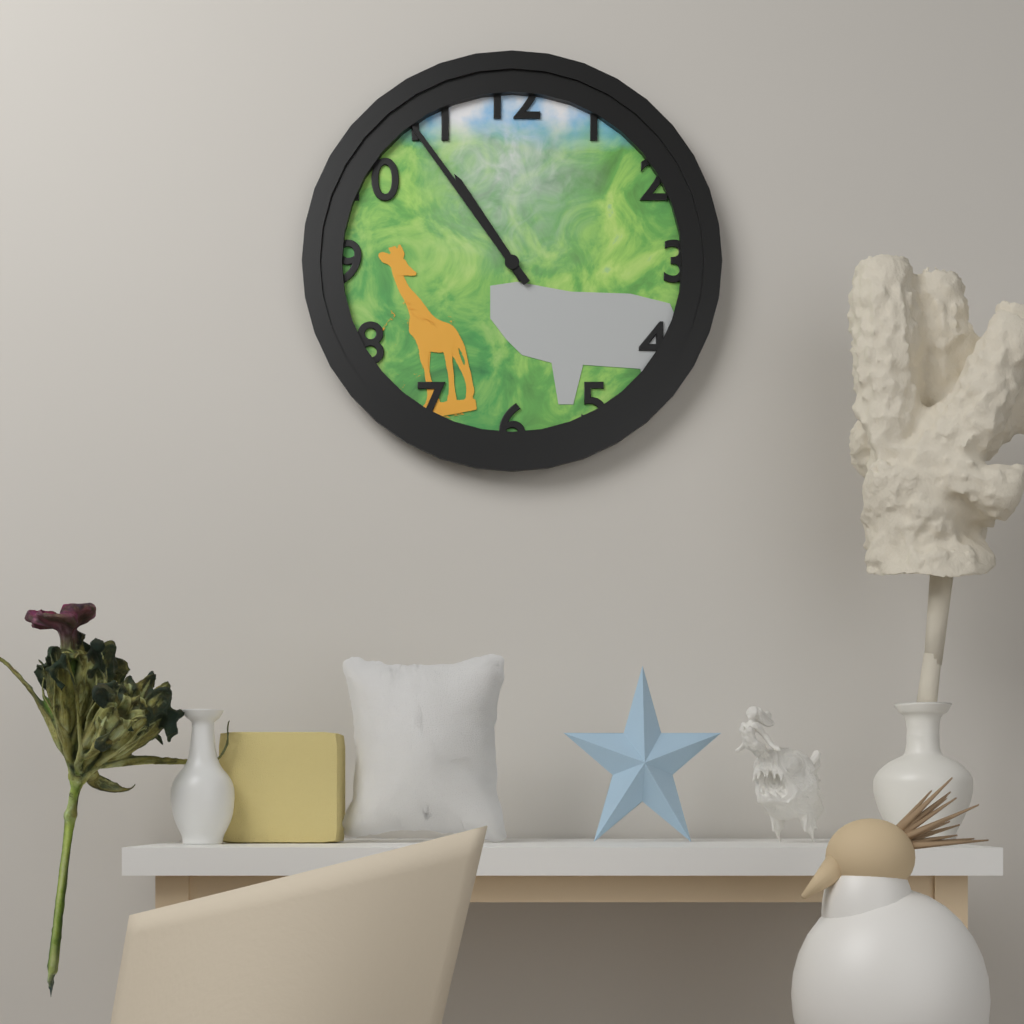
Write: 10,54
